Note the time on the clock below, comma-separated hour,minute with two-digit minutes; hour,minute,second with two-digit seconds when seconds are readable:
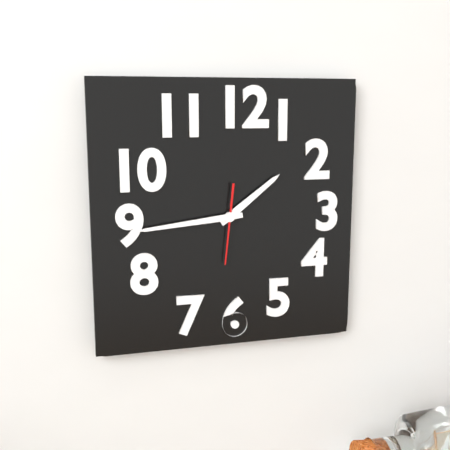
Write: 1,44,31
